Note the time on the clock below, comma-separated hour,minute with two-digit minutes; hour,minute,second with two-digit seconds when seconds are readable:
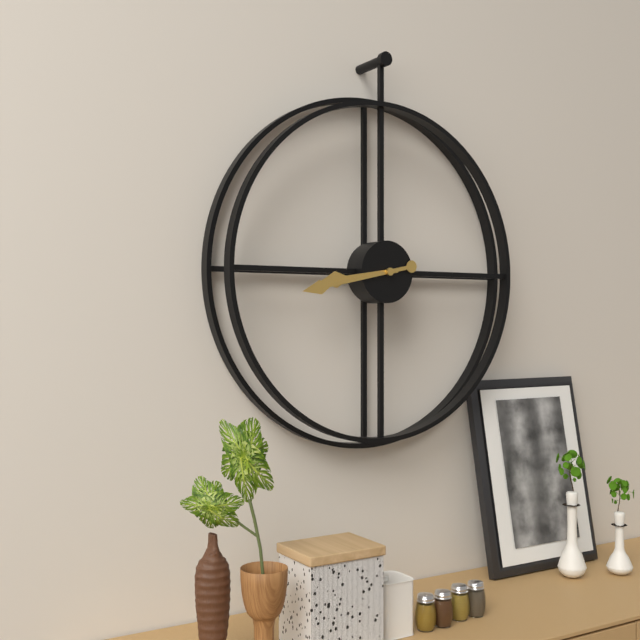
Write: 8,43
